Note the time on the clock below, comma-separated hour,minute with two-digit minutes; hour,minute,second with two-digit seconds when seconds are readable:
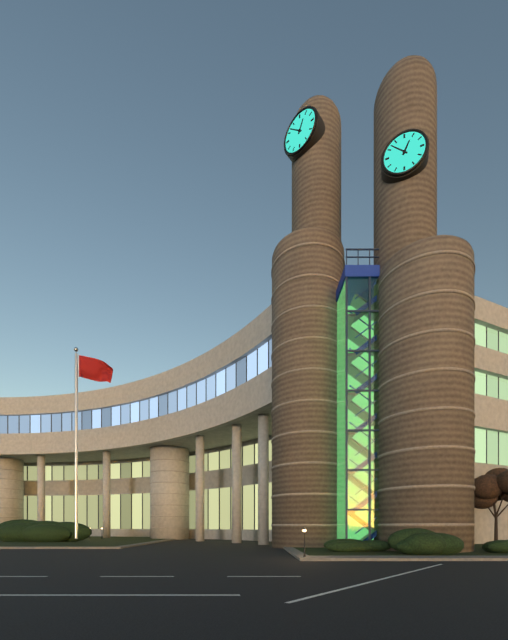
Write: 12,52
